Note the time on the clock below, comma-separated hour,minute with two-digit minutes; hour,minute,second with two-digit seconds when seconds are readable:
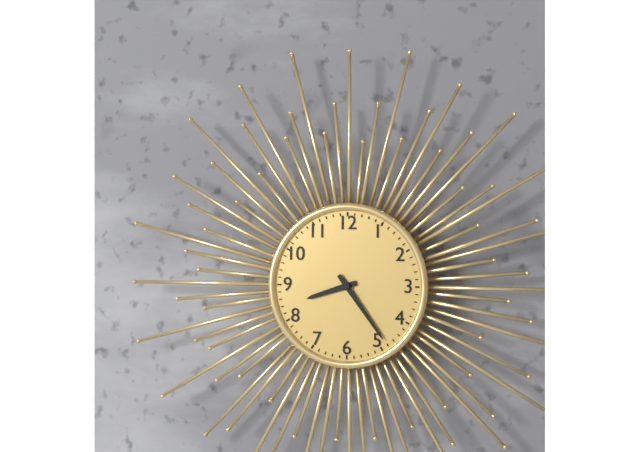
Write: 8,24
